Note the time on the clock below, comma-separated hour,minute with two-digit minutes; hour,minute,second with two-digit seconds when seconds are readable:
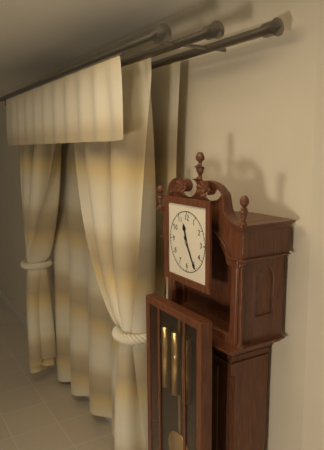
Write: 11,25
